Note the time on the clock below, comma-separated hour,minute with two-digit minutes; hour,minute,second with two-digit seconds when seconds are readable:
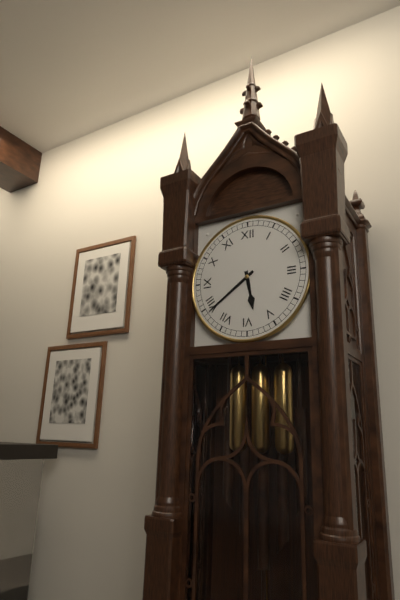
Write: 5,39
